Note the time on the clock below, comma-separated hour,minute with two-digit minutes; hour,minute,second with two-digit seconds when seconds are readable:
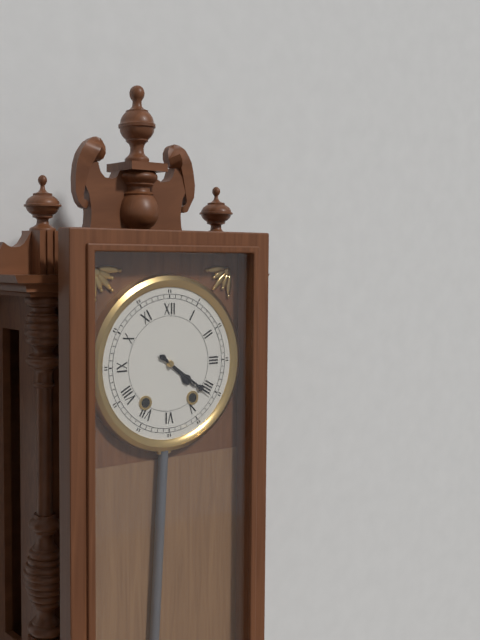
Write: 4,21
